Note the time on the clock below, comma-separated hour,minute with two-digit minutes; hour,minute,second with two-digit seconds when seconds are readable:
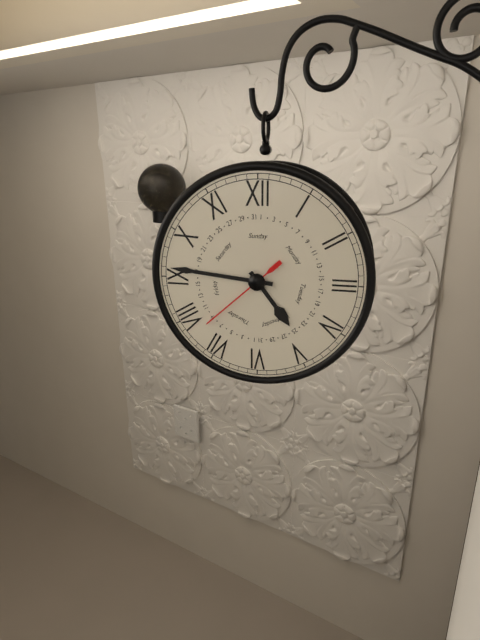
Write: 4,46,38
